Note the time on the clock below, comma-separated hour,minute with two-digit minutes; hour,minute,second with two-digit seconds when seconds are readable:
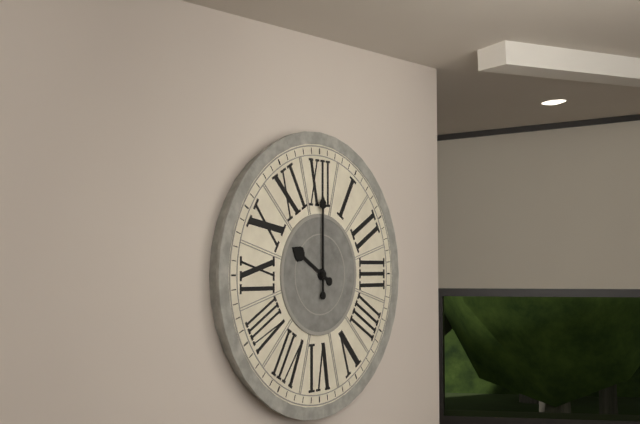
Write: 10,00
